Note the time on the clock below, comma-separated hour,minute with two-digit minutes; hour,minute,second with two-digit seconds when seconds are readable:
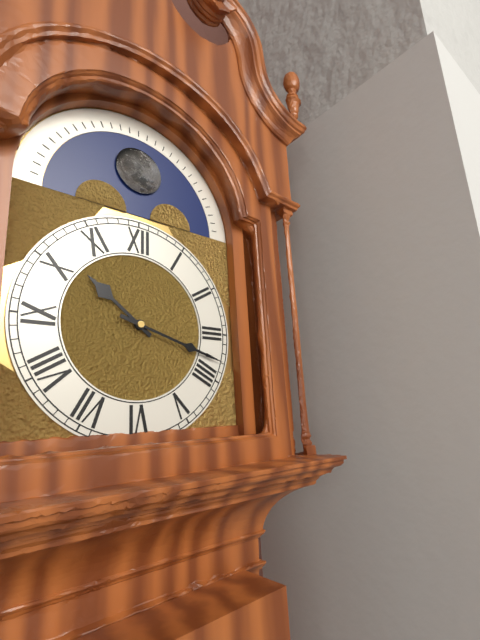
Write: 10,18
